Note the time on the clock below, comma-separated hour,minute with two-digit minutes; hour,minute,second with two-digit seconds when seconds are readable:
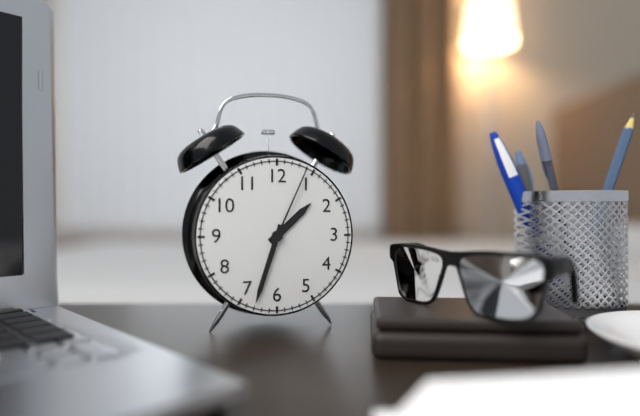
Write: 1,33,04
